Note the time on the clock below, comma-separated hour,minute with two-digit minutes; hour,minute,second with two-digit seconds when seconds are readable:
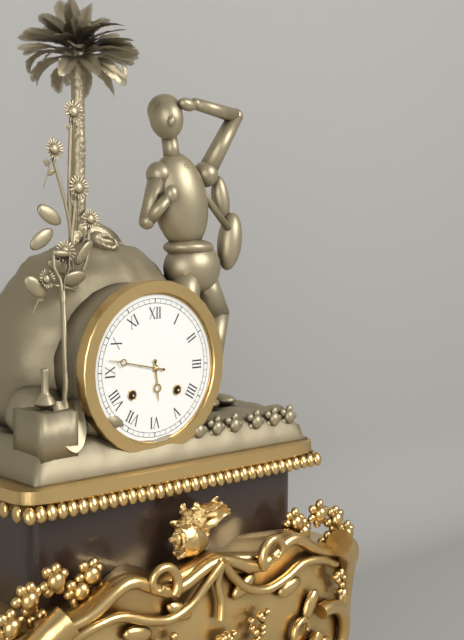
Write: 5,47
